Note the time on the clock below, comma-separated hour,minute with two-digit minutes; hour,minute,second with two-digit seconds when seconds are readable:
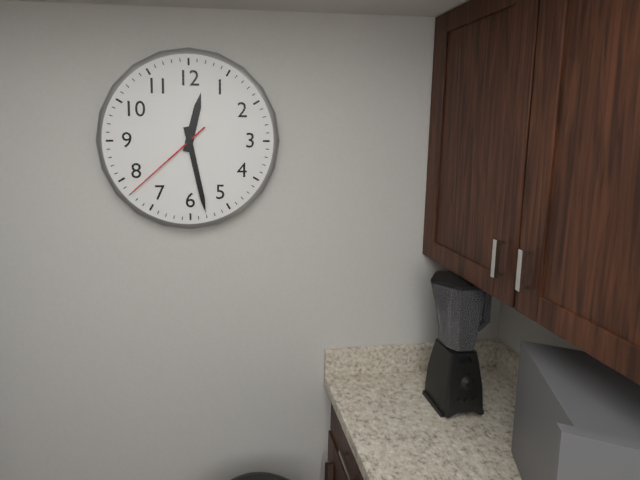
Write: 12,28,38
